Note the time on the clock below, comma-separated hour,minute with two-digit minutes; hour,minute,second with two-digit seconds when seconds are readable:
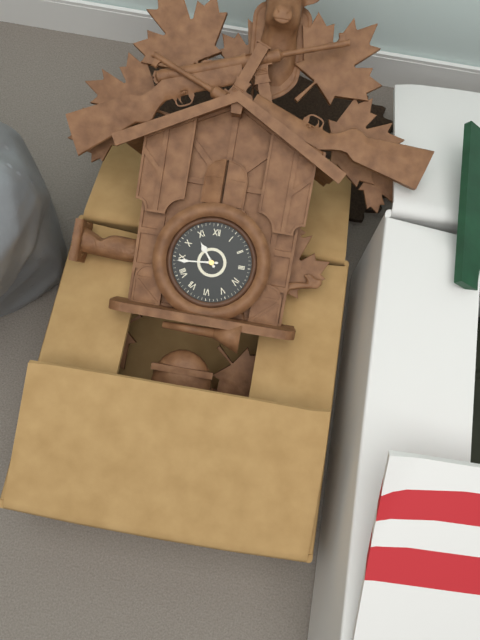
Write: 10,44
